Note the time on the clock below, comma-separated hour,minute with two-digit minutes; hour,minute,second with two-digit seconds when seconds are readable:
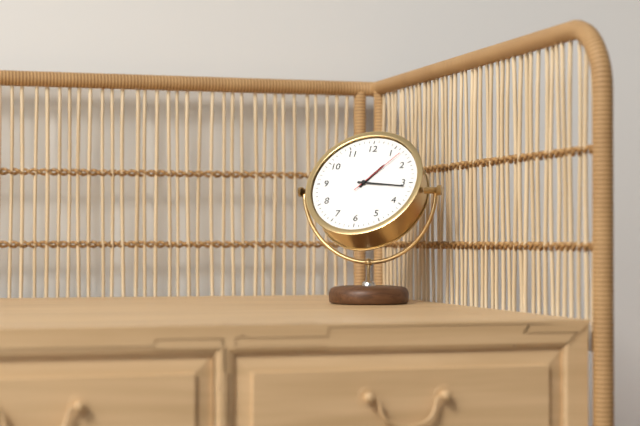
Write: 1,16,07
